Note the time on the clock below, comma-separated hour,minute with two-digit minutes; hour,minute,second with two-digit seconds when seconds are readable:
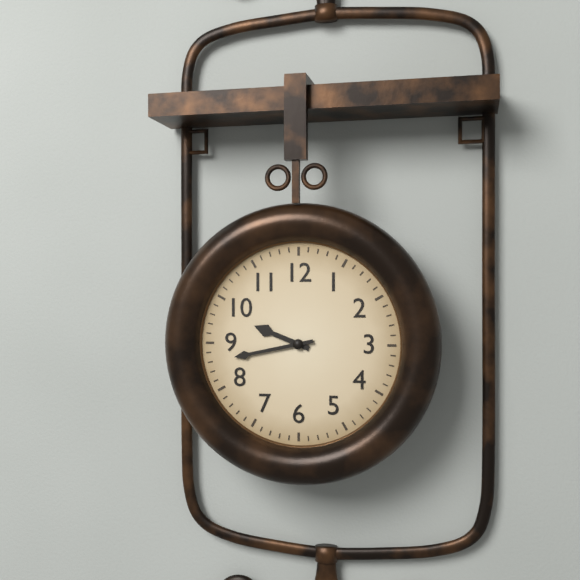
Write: 9,43
